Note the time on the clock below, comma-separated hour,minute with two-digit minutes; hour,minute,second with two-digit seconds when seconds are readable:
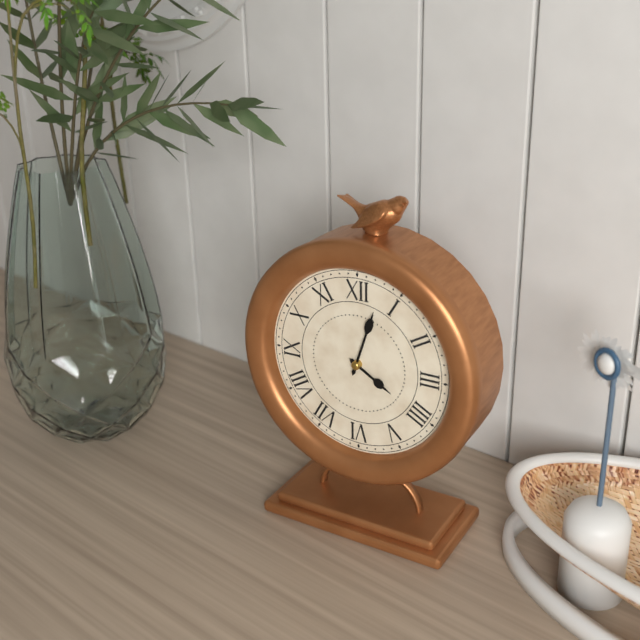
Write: 4,03
